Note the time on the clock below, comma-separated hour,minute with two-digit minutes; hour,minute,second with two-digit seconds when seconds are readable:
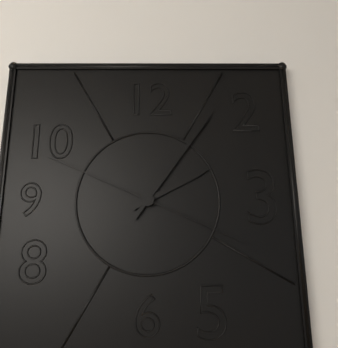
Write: 2,06,49
